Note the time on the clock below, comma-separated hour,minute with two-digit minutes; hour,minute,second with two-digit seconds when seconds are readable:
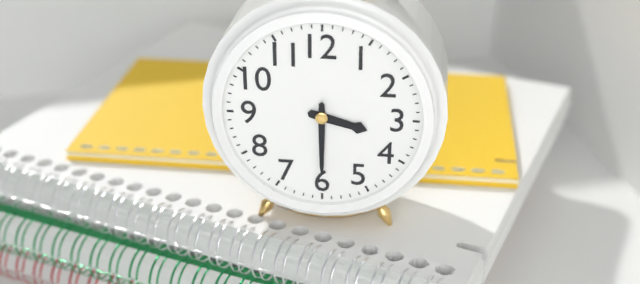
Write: 3,30
